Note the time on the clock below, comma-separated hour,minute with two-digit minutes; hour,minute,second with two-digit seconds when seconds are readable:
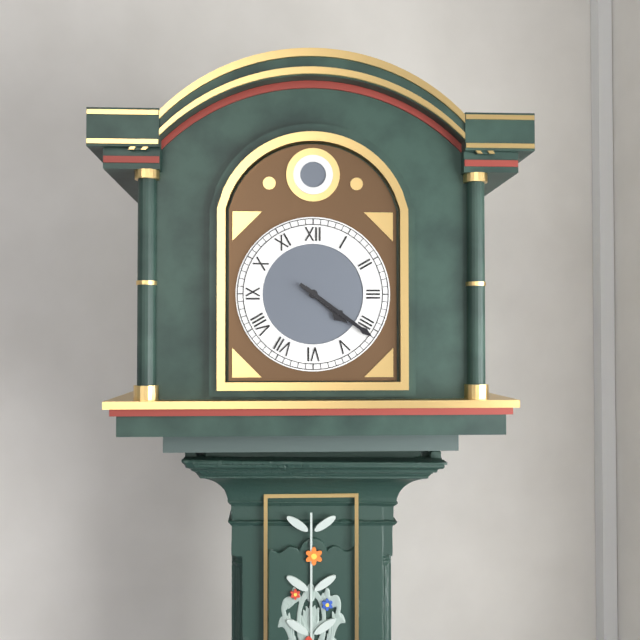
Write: 4,21
